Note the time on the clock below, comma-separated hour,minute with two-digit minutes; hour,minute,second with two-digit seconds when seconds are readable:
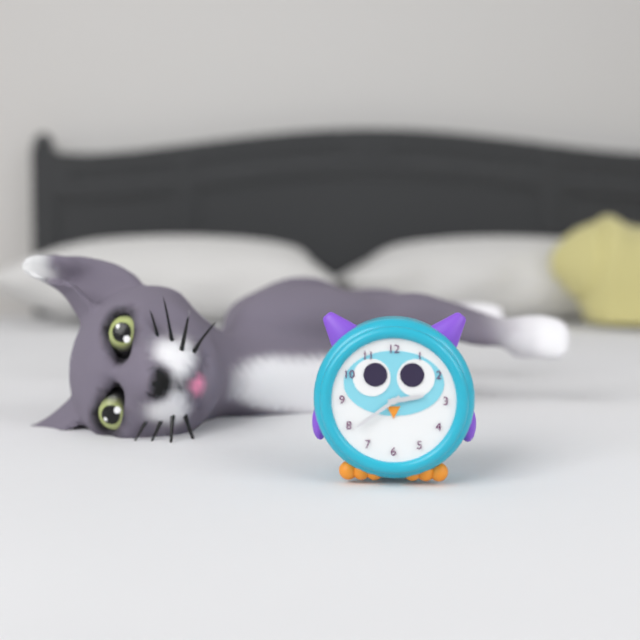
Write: 2,39
